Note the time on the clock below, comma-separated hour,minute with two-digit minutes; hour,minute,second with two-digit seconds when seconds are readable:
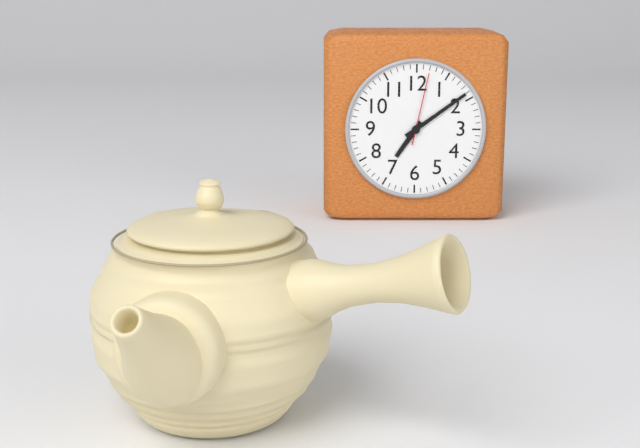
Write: 7,09,02
